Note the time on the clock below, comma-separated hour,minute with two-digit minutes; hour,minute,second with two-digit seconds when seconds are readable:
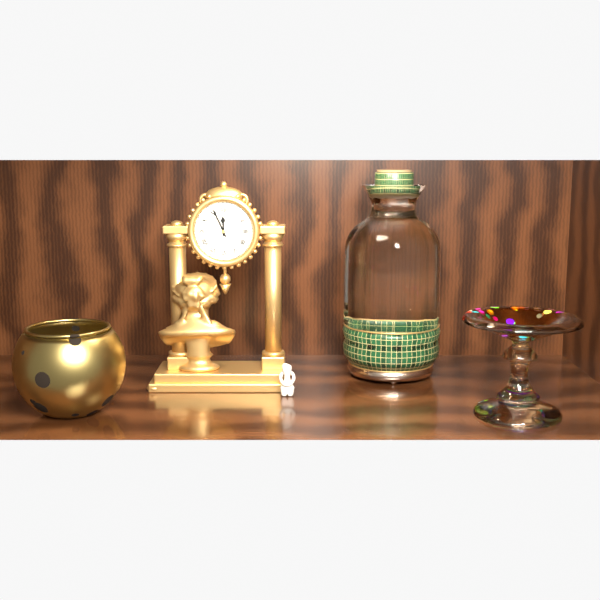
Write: 11,56
